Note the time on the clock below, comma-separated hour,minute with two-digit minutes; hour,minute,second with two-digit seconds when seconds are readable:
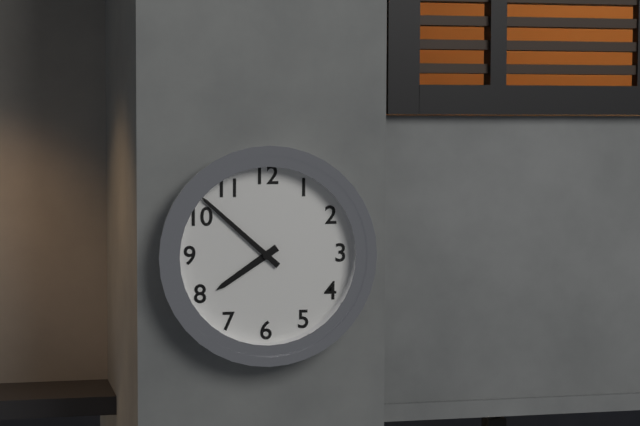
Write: 7,52
